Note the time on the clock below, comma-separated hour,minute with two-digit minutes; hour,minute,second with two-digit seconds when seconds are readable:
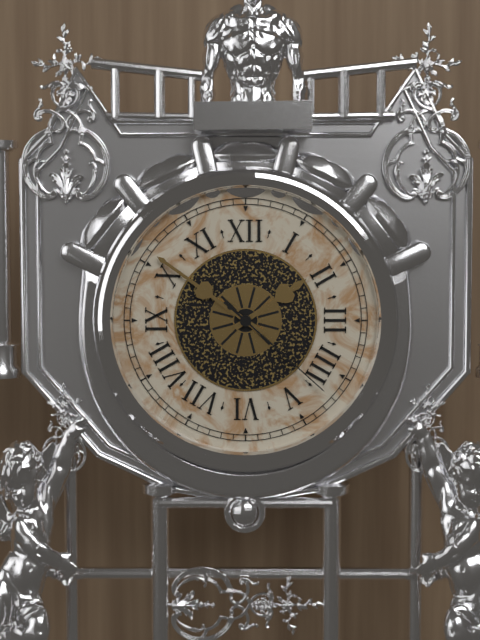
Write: 1,51,22
